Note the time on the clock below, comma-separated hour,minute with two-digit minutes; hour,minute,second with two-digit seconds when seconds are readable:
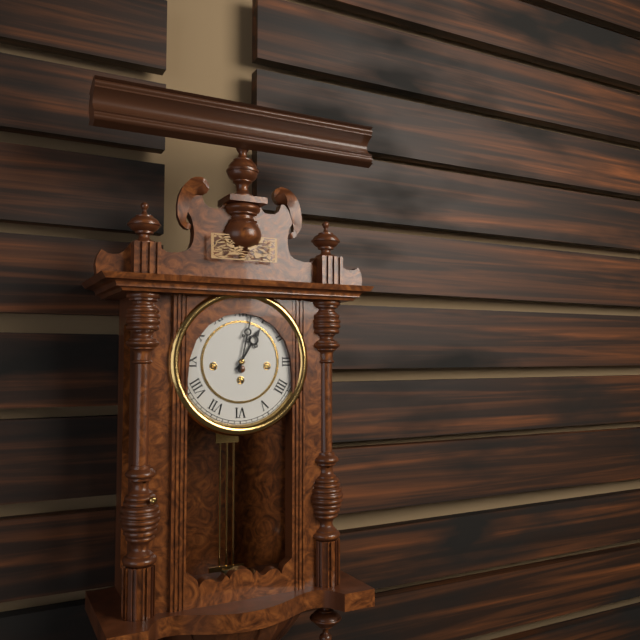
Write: 1,02
